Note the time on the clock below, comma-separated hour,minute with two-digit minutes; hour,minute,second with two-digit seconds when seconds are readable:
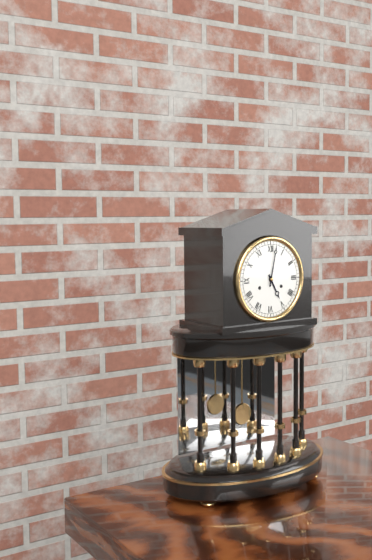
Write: 5,02
